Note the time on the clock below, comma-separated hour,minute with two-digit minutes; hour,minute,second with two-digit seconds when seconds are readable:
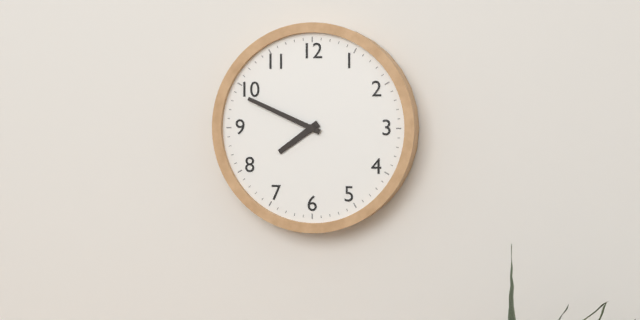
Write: 7,49
